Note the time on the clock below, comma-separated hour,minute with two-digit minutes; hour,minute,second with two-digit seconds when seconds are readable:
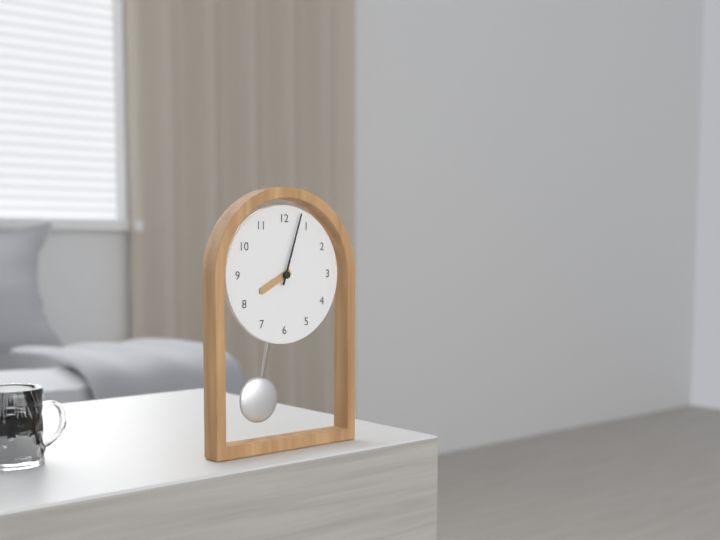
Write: 8,03
